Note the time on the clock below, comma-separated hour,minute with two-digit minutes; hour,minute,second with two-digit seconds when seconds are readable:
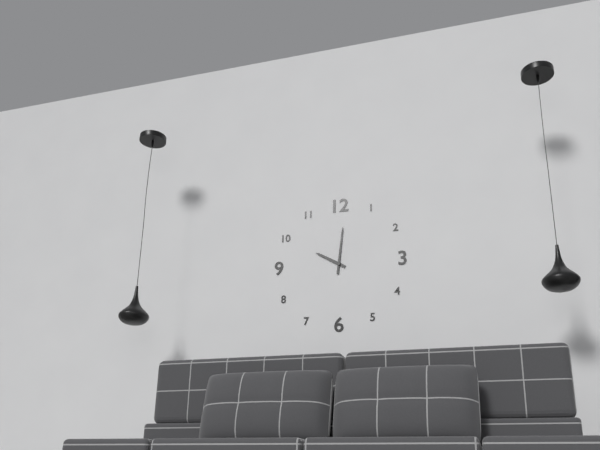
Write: 10,01
